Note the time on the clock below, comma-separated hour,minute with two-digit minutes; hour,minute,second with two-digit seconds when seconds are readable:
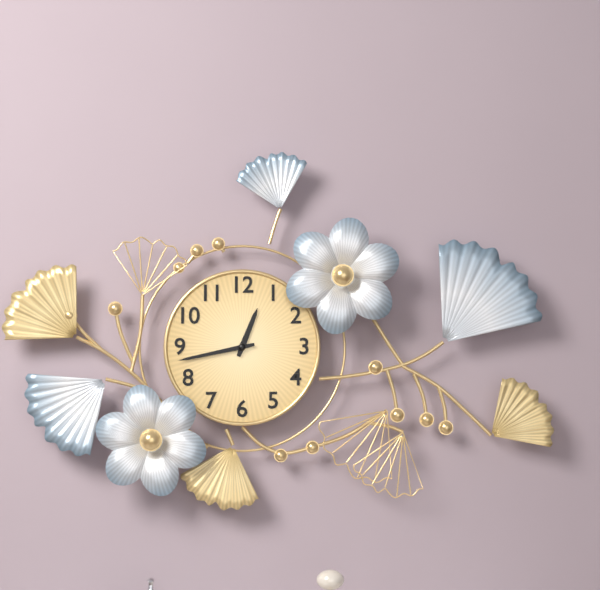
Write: 12,43
